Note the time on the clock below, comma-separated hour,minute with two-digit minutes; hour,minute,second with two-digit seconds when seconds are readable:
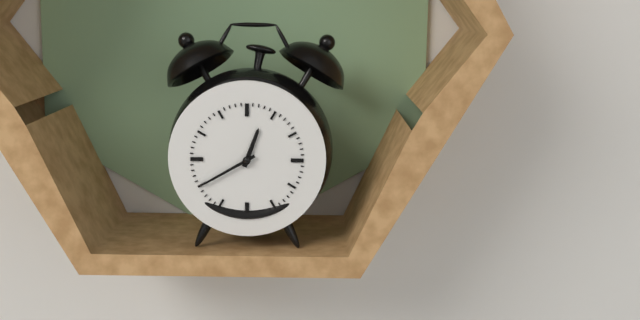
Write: 12,40
